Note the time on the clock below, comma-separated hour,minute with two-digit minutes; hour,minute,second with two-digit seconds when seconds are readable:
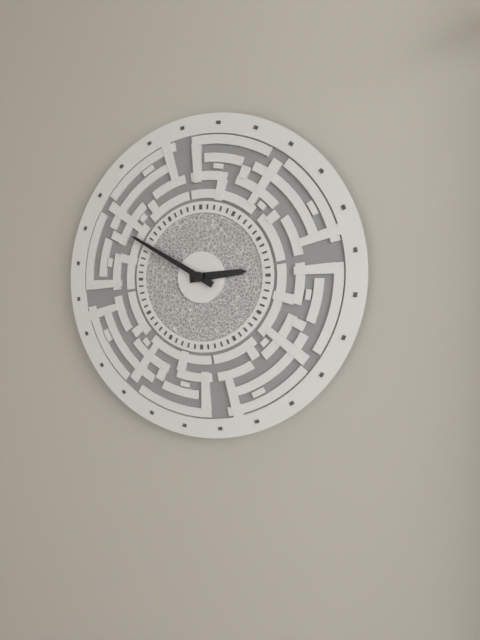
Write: 2,50
